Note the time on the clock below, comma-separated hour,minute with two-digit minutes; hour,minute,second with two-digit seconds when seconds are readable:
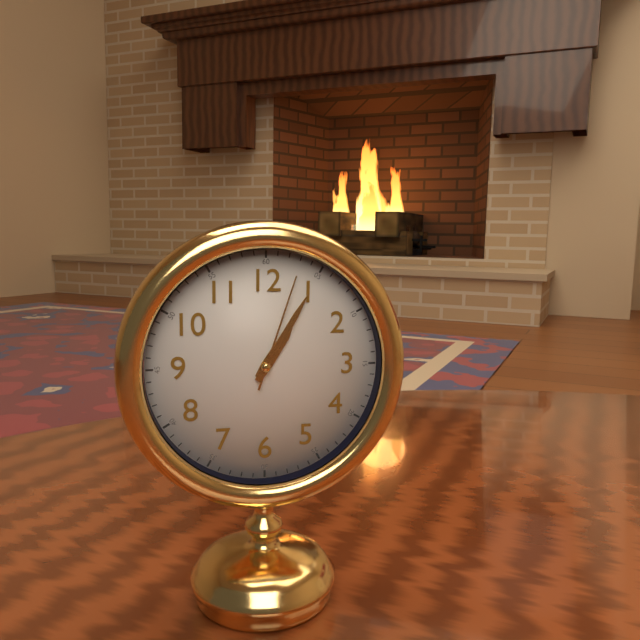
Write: 1,05,03
